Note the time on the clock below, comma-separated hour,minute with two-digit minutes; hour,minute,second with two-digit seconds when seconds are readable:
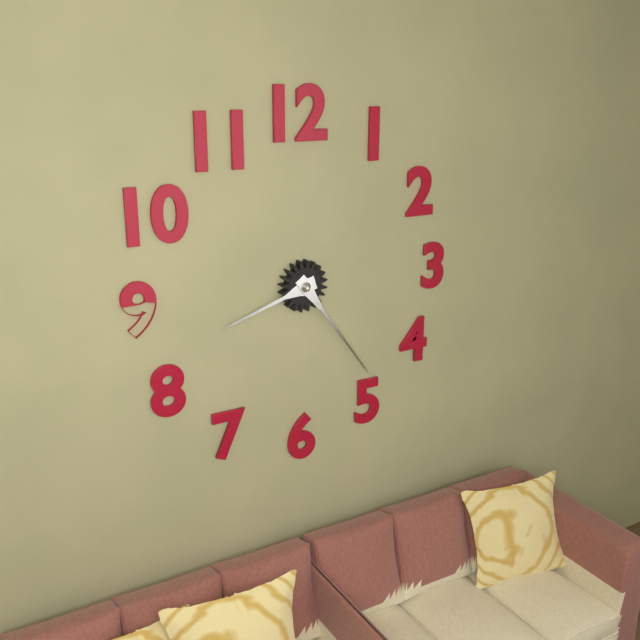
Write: 8,24
